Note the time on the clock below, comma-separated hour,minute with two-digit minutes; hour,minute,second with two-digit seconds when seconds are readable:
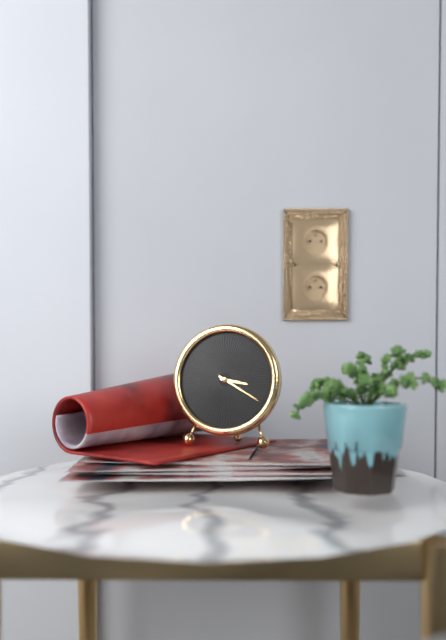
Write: 3,20
